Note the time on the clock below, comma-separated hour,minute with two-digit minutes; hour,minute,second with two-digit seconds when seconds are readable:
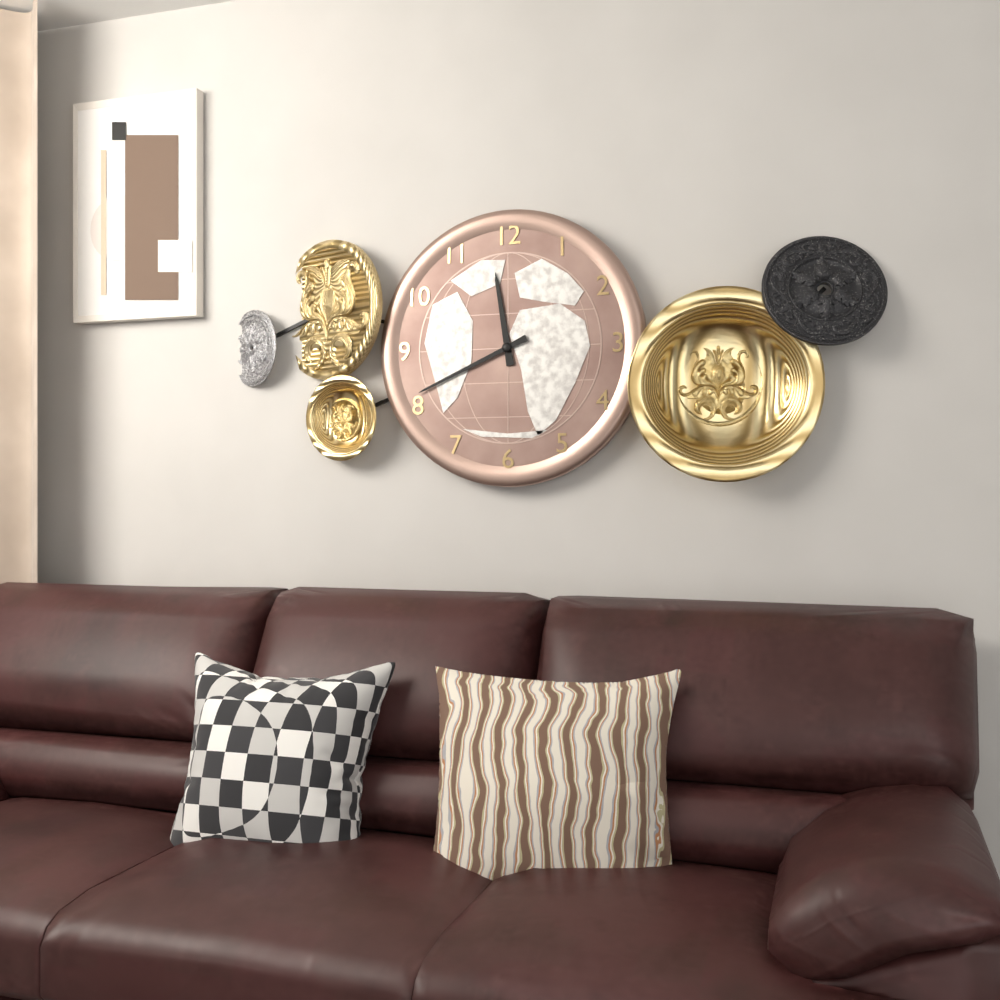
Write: 11,41
